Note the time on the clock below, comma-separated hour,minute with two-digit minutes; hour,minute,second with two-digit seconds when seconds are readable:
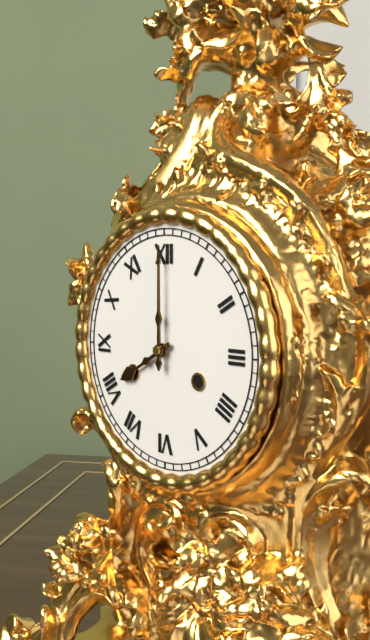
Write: 8,00
